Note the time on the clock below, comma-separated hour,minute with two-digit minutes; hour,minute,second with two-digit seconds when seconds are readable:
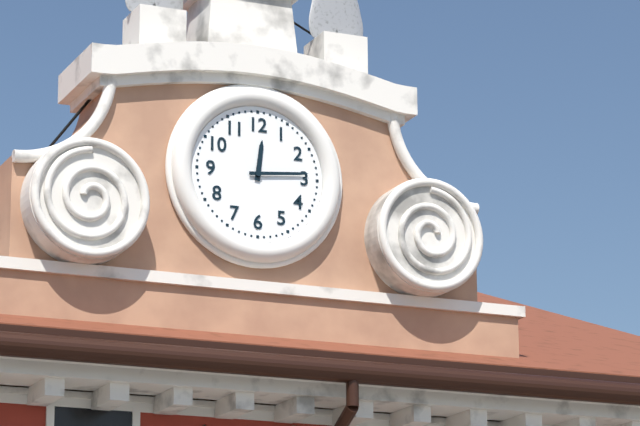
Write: 12,14
